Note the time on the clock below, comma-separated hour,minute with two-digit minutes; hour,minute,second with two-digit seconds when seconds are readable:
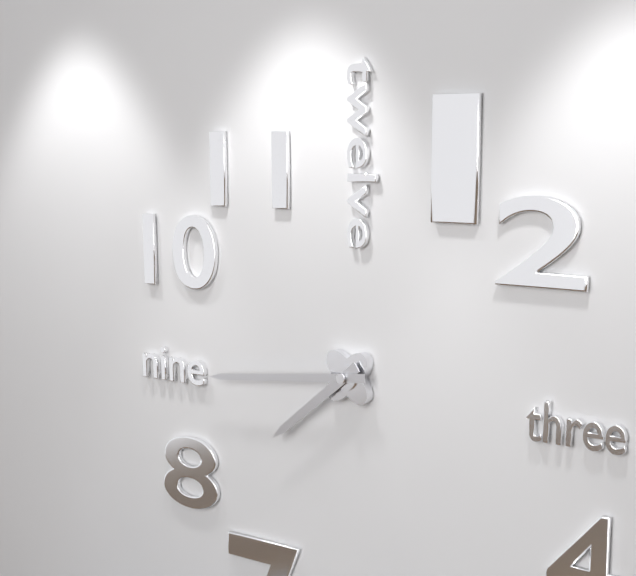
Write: 7,44
